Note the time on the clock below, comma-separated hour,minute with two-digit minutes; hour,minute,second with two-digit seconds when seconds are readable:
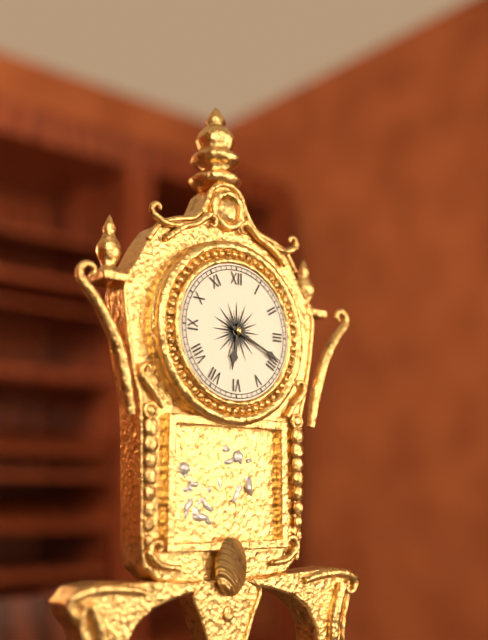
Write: 6,19
